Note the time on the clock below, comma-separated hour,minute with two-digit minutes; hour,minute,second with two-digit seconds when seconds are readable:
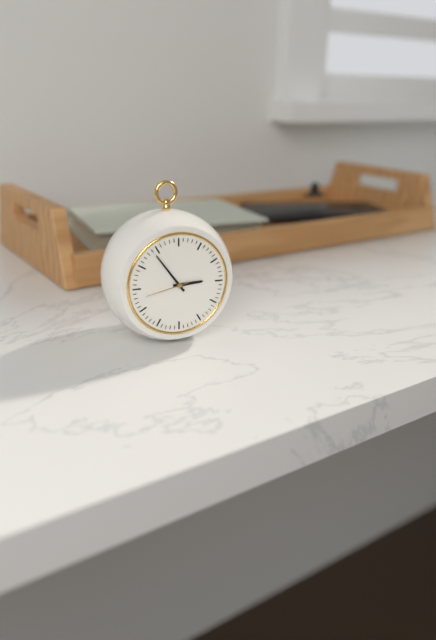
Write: 2,54
